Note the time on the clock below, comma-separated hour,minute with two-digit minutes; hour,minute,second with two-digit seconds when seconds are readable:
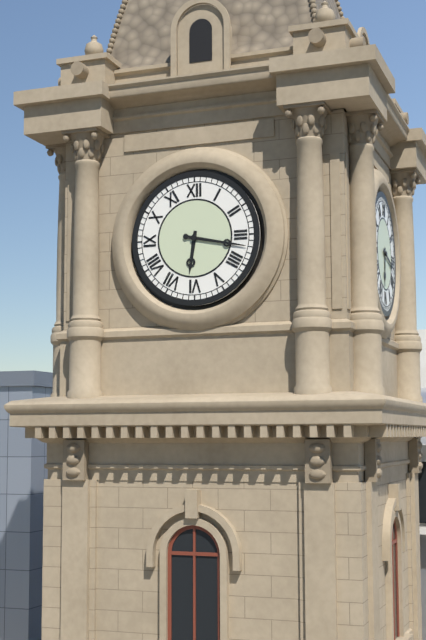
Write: 6,17
